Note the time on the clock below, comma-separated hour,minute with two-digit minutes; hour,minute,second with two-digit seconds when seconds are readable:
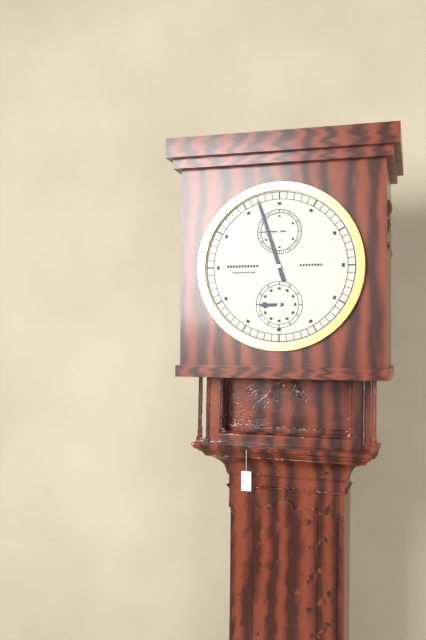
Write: 8,57
